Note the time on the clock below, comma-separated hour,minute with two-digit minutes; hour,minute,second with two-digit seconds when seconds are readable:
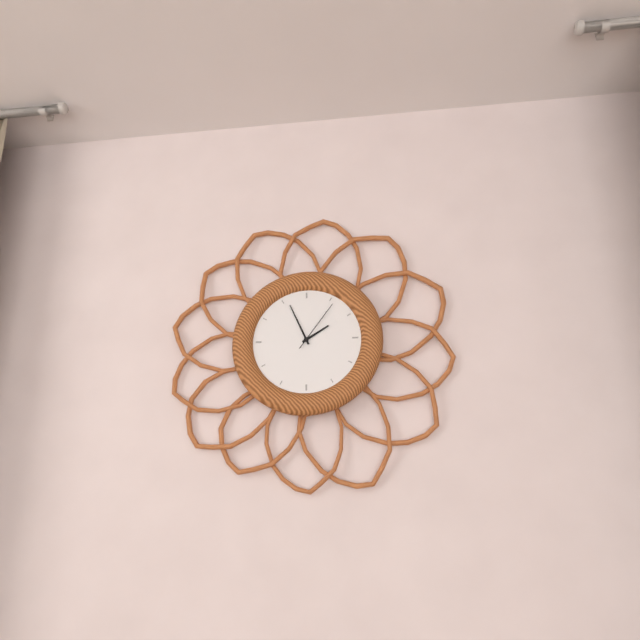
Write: 1,56,06
